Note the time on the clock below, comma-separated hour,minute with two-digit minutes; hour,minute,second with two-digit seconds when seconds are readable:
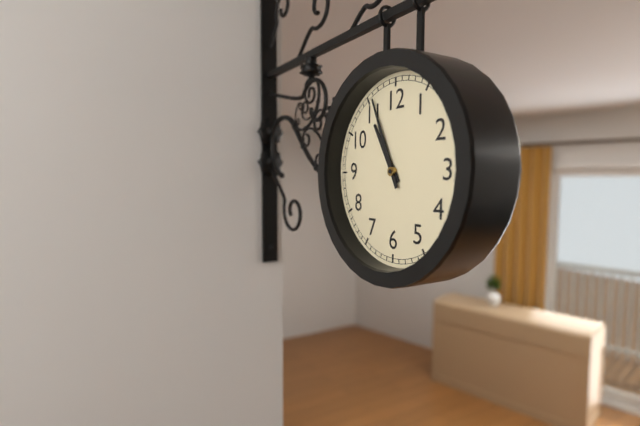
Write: 10,56
